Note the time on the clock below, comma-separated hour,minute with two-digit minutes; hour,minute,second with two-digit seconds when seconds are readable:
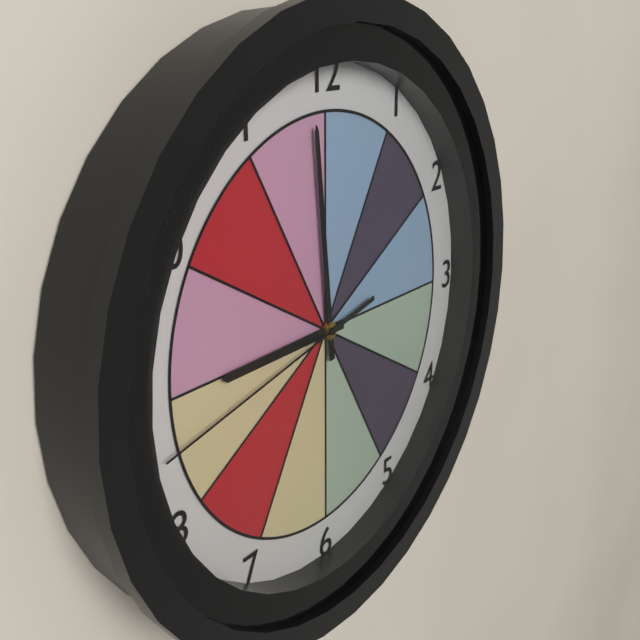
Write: 8,59,43
